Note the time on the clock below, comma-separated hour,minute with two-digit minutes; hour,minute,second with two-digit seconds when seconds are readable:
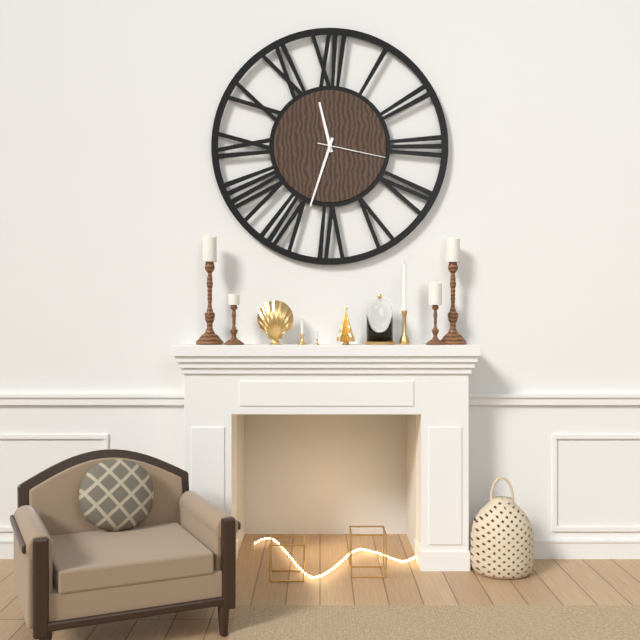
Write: 11,33,17
